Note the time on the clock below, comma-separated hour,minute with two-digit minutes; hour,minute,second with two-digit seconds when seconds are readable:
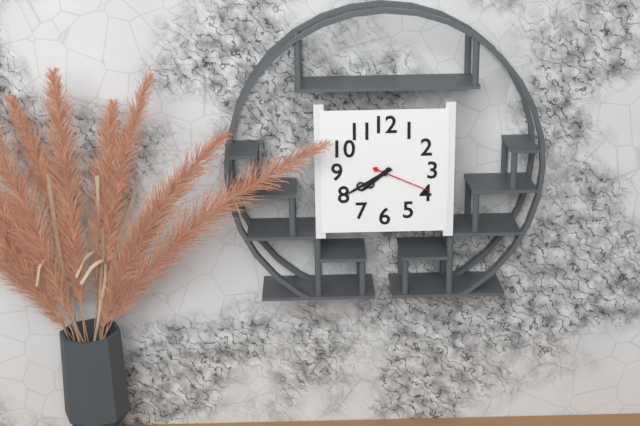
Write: 7,40,19
